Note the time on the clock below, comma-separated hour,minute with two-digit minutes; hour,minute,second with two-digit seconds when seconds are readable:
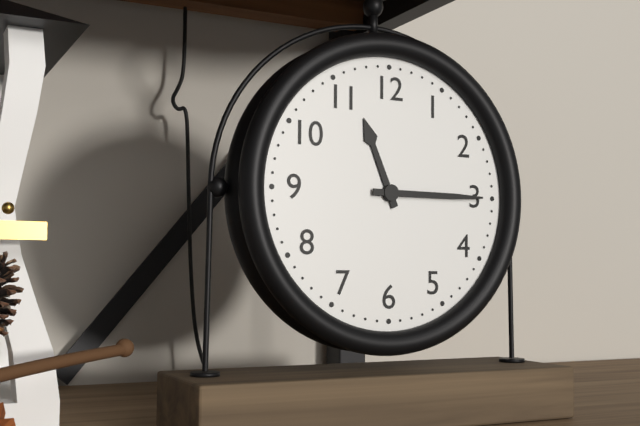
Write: 11,15
